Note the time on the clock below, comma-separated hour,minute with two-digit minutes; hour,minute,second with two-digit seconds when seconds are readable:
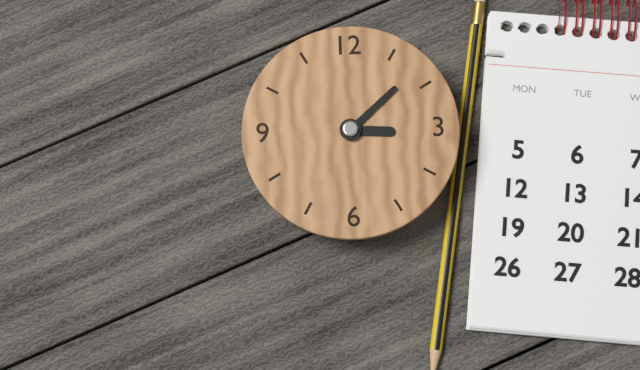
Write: 3,08
